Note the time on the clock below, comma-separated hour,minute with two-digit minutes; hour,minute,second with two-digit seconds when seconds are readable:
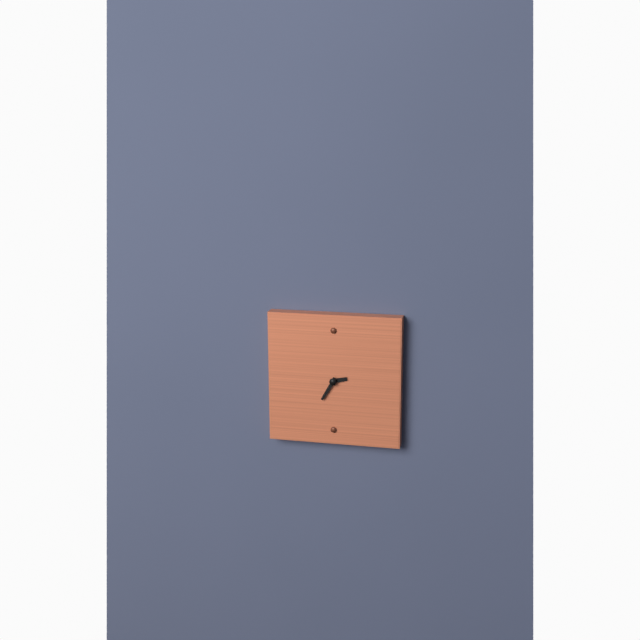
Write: 2,35
